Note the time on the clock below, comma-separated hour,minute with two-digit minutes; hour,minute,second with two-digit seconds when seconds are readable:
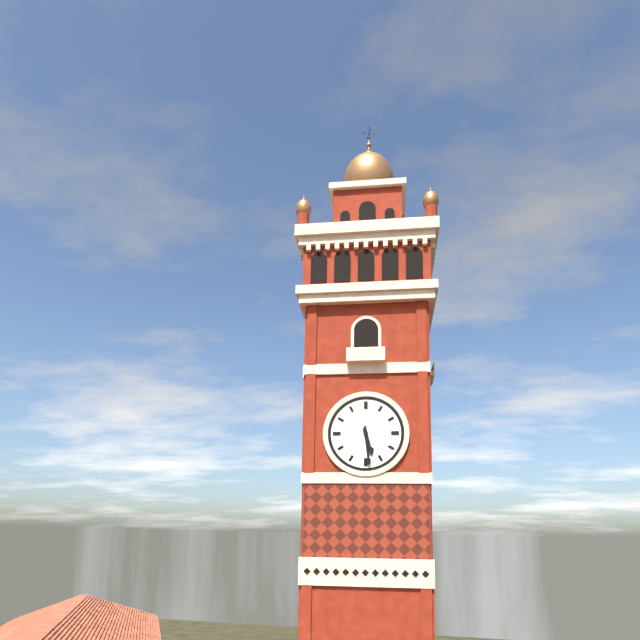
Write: 5,29
